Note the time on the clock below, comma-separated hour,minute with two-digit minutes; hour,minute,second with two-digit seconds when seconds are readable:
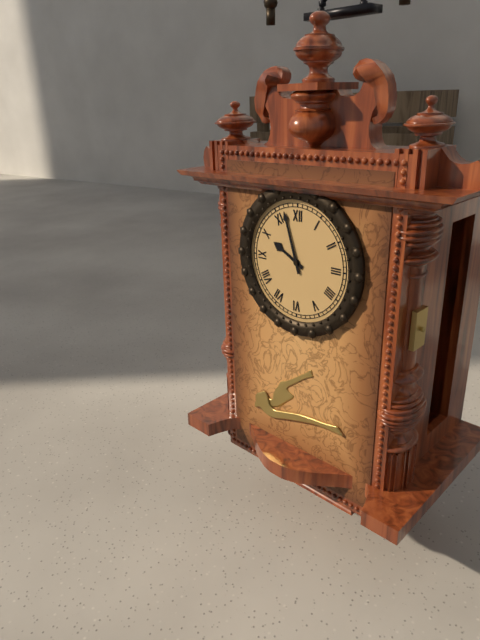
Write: 9,57
